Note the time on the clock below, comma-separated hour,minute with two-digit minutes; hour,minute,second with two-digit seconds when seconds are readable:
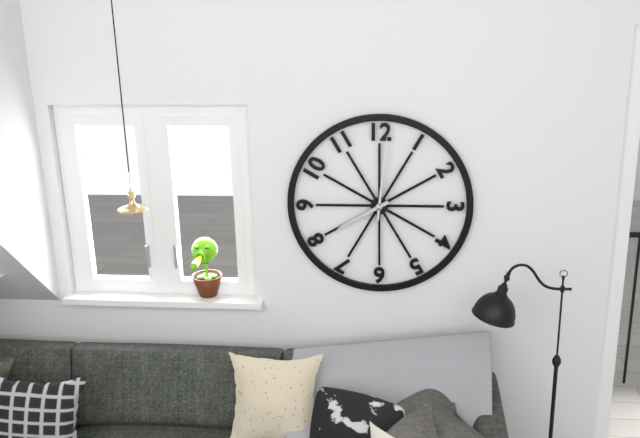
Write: 8,01
